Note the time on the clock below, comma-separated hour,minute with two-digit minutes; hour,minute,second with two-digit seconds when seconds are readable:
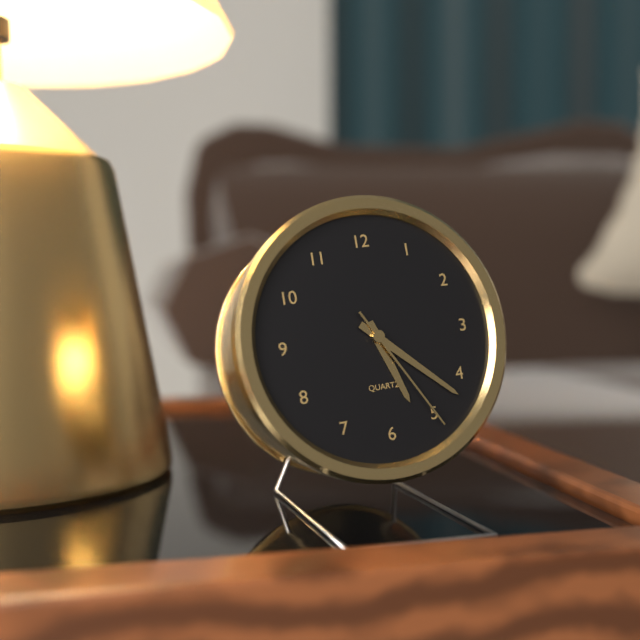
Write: 5,22,25
